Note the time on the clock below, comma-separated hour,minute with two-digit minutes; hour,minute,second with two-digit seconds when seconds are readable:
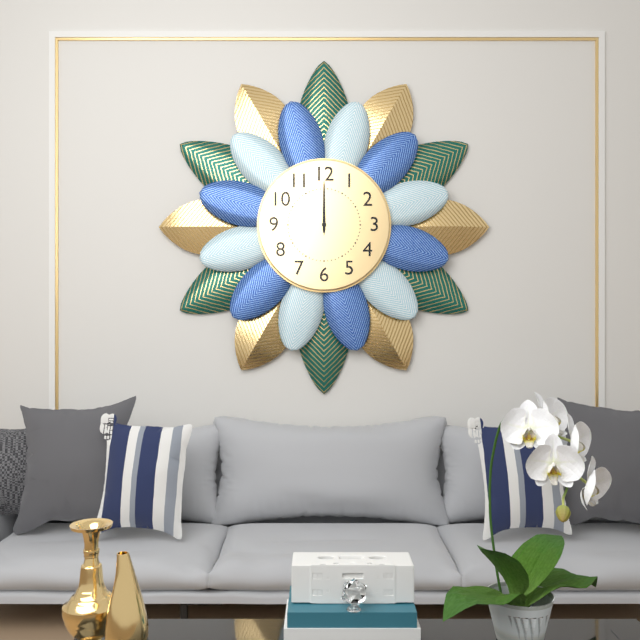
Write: 12,00,00
